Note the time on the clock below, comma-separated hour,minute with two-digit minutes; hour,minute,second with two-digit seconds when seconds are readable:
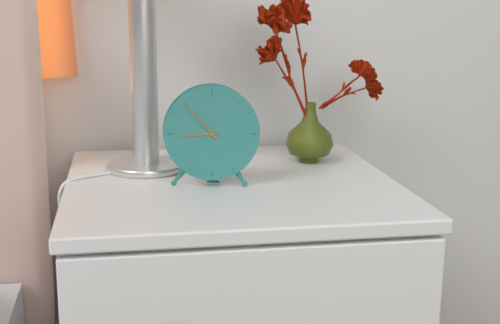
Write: 8,53
